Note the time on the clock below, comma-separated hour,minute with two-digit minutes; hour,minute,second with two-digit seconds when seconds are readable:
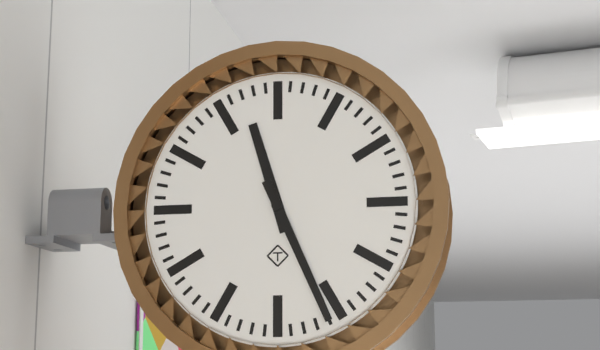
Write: 11,26
